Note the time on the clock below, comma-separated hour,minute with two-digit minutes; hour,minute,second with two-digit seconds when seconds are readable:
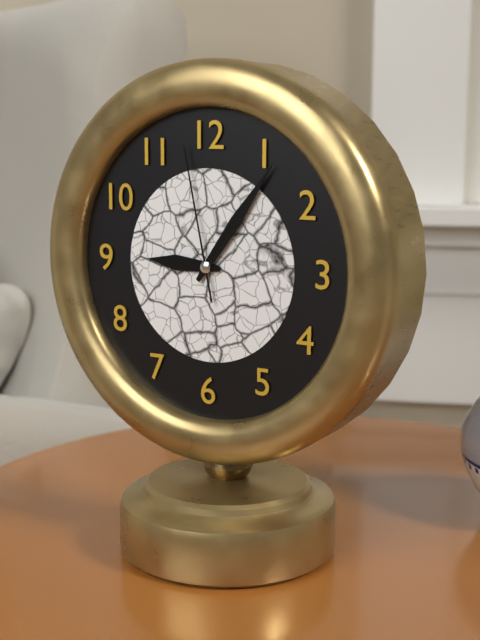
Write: 9,06,58
